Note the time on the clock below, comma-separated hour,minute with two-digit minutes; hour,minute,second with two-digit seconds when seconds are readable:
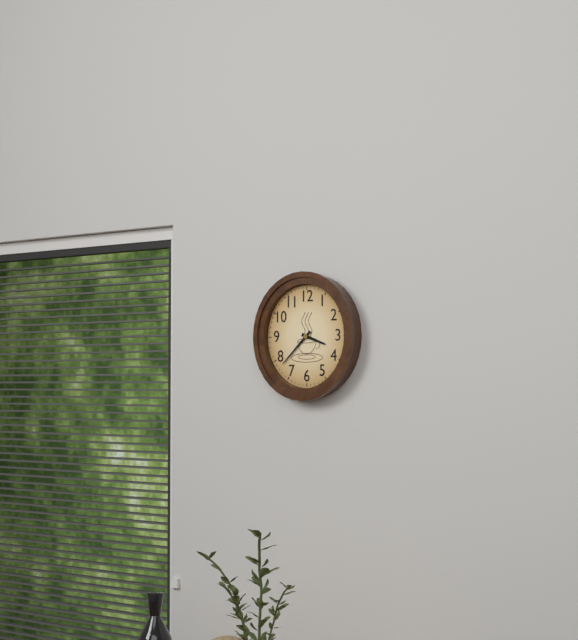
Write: 3,38
